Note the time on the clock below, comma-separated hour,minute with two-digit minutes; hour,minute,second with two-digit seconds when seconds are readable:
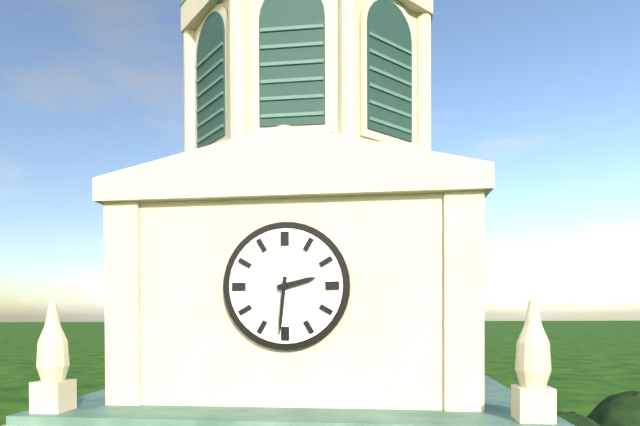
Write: 2,31
